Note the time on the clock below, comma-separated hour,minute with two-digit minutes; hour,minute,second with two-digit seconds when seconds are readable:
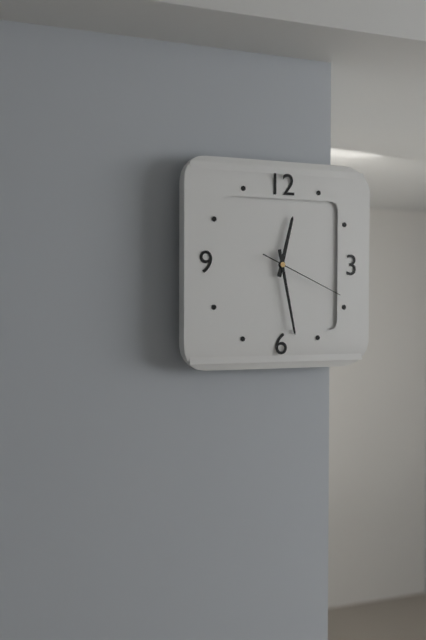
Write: 12,28,19
